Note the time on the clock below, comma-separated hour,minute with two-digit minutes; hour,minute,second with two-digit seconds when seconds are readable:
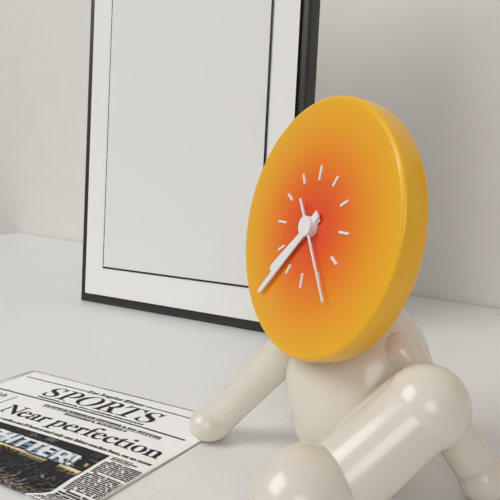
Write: 7,37,24
